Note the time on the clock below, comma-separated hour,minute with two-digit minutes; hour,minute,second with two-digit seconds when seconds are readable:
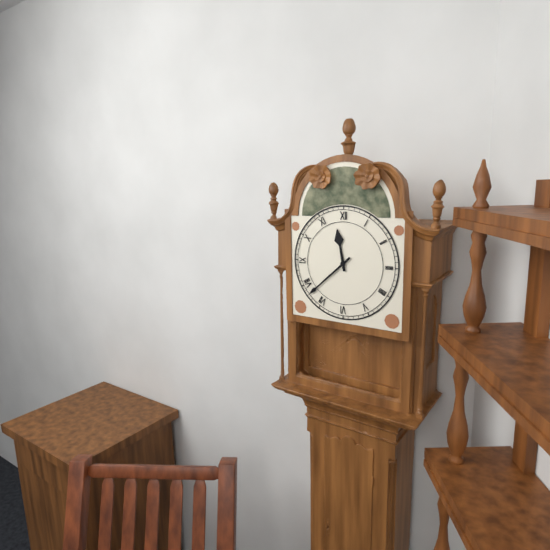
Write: 11,38
